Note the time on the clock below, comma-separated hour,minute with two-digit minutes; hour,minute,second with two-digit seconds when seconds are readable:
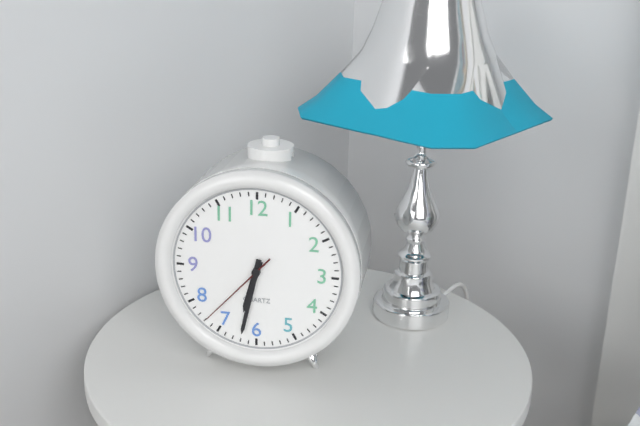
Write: 6,32,37
